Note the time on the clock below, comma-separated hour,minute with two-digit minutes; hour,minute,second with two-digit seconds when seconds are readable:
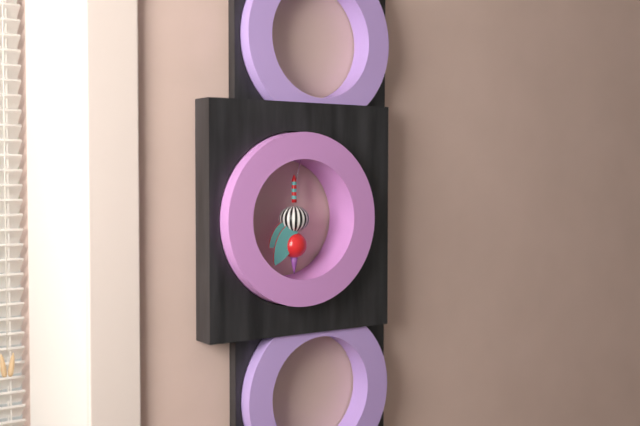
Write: 7,35
